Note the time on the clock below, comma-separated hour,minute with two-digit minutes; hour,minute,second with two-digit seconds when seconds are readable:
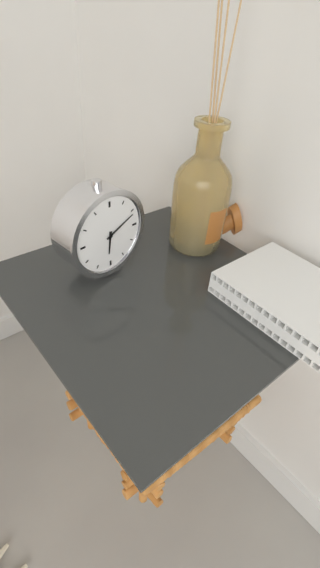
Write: 6,11
